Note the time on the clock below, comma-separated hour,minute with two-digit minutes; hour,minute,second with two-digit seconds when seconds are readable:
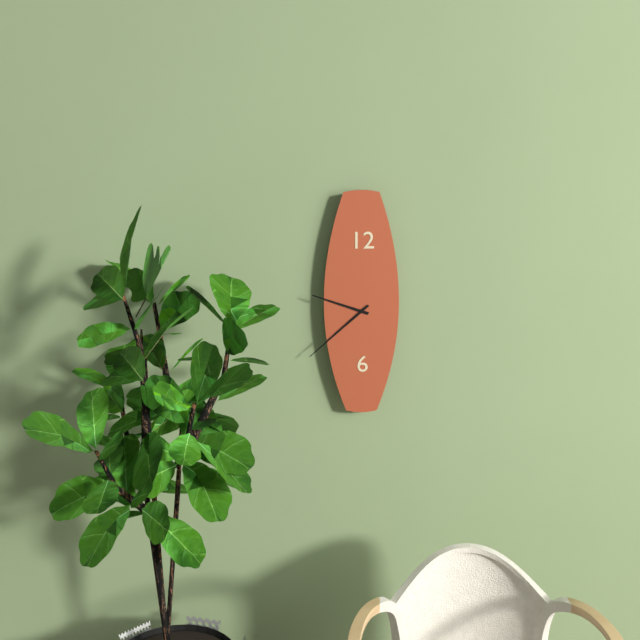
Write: 9,38
